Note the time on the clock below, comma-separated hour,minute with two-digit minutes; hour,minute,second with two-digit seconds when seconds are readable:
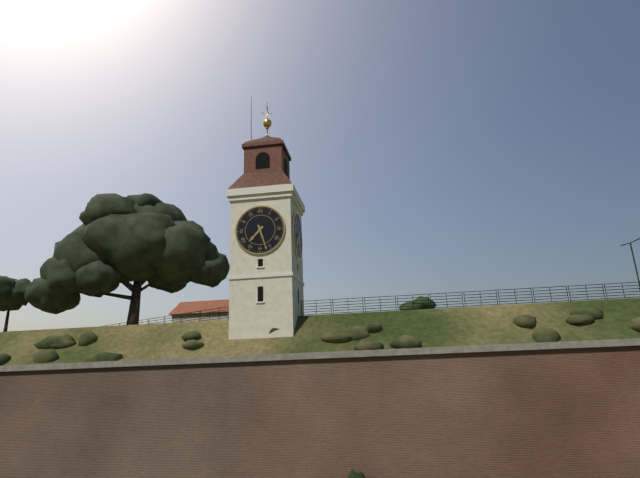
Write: 7,27
